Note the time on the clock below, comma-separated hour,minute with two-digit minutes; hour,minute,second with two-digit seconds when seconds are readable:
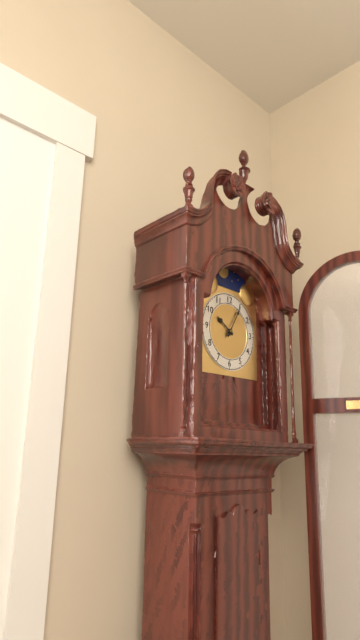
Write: 10,05
